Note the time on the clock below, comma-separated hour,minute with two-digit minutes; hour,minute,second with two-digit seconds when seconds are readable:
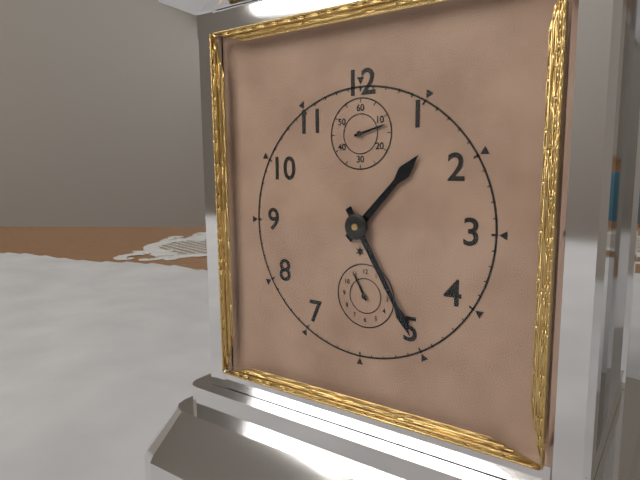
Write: 1,25
